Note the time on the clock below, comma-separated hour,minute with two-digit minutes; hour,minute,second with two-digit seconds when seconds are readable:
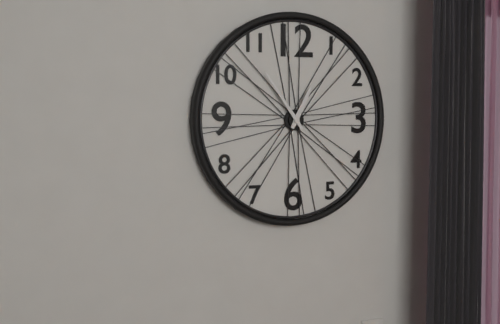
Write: 12,54
